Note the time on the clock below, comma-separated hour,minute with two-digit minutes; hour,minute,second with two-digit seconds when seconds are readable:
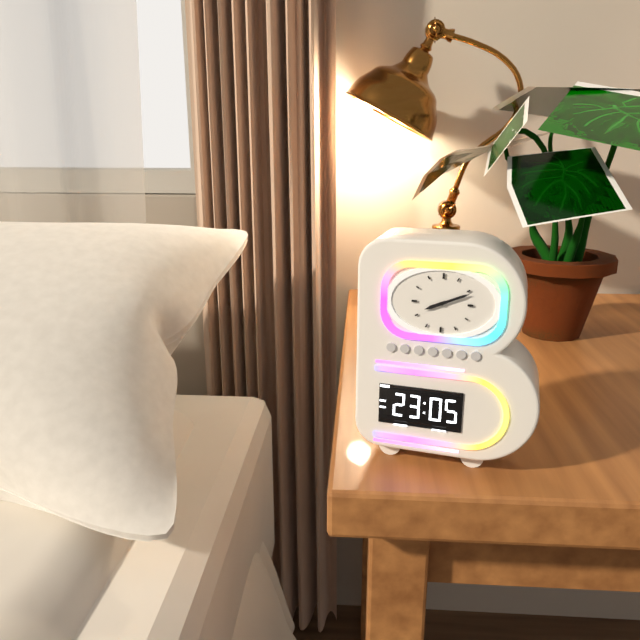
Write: 8,11
